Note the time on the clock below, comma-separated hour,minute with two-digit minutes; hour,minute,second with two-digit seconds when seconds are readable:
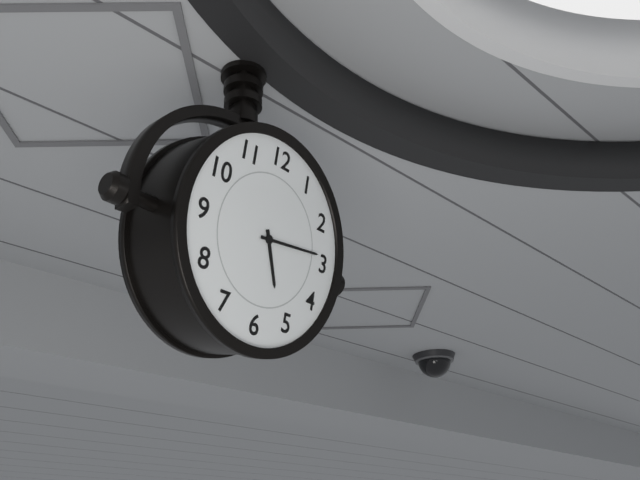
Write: 5,14
